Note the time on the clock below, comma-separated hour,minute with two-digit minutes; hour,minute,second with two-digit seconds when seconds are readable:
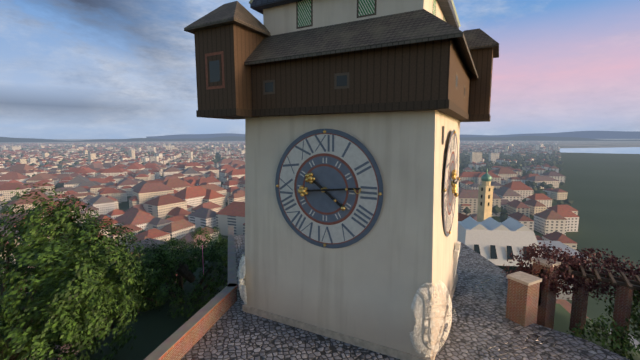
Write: 4,14
